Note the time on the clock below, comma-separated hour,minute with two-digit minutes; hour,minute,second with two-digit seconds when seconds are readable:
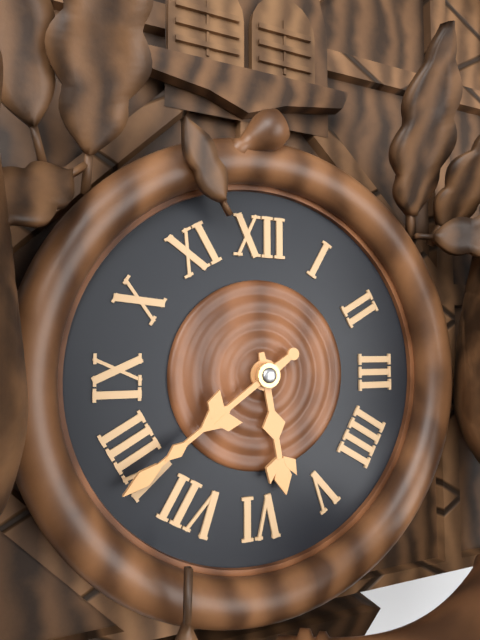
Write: 5,39
